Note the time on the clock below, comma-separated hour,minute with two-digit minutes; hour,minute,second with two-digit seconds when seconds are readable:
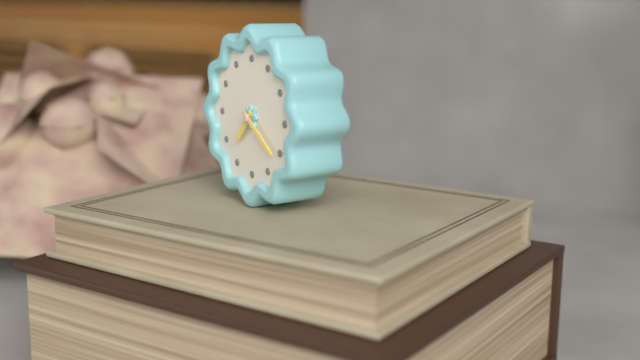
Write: 7,21
